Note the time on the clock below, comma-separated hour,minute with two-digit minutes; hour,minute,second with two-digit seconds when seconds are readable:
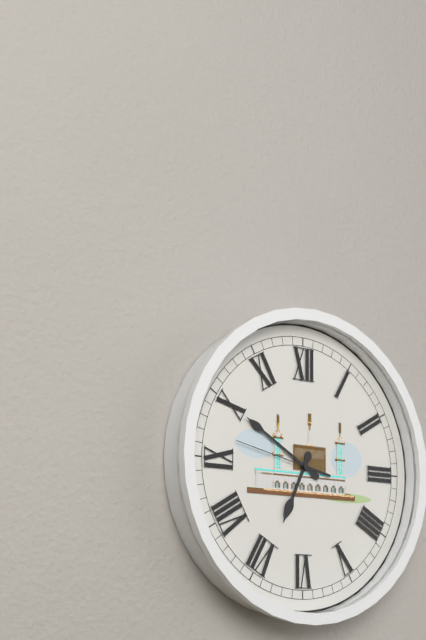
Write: 6,50,47
